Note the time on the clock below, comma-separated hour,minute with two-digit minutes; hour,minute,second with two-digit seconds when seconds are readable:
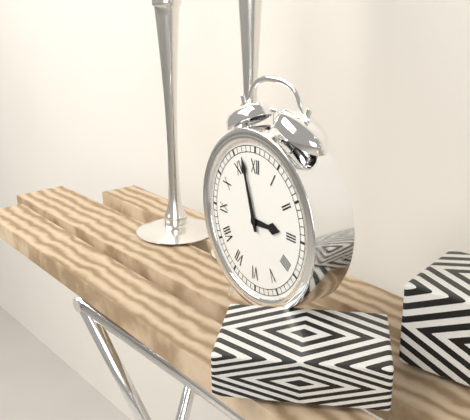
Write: 2,57
